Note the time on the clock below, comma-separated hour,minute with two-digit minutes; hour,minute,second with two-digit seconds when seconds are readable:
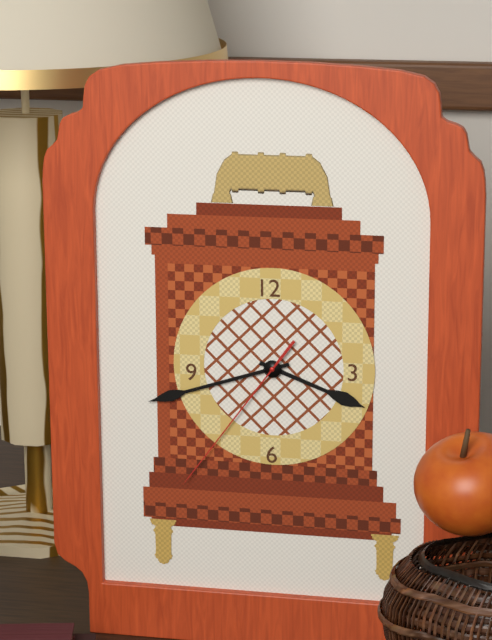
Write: 3,42,36
